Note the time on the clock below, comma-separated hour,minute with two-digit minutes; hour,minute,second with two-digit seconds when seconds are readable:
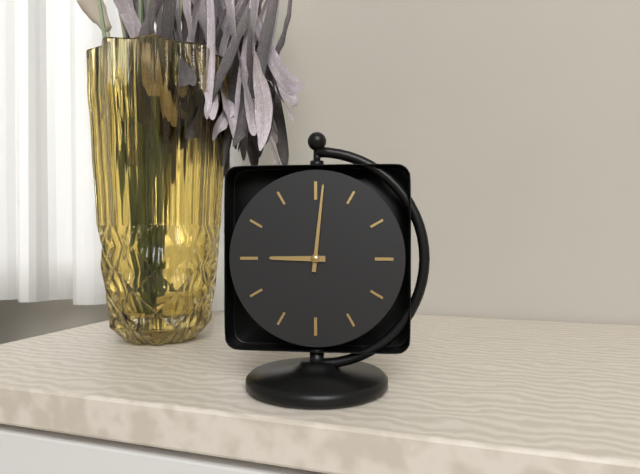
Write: 9,01
